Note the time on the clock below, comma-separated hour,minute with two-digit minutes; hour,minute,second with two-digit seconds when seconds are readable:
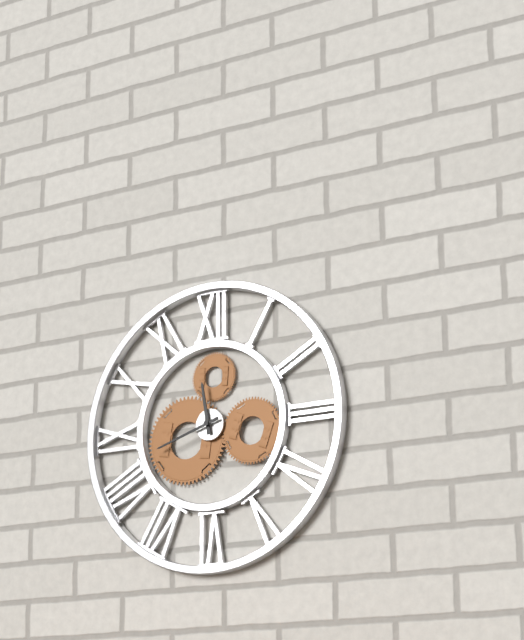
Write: 11,42
